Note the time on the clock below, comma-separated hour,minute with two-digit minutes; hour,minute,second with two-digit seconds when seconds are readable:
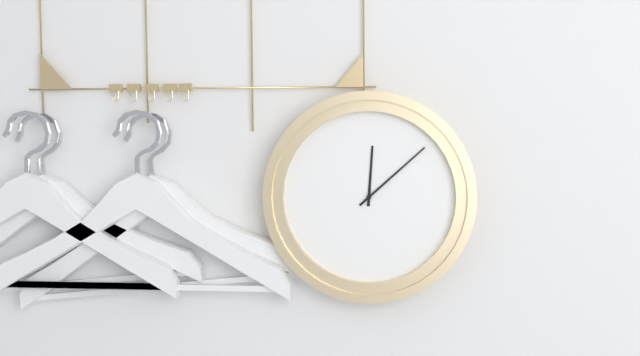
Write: 12,08
